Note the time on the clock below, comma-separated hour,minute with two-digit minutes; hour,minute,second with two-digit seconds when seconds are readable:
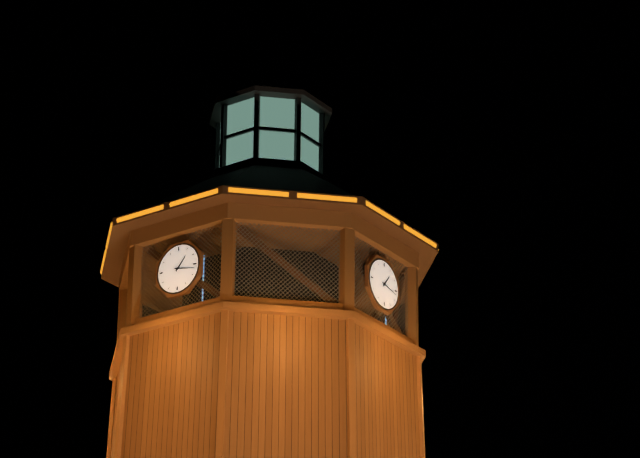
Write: 1,17
